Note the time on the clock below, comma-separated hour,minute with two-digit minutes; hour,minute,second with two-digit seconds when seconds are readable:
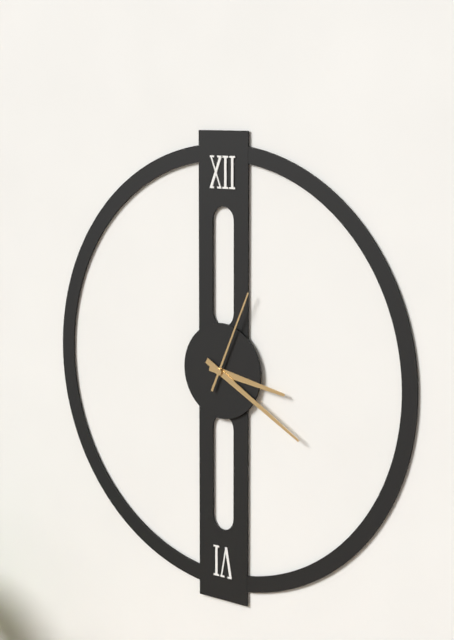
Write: 3,20,04
